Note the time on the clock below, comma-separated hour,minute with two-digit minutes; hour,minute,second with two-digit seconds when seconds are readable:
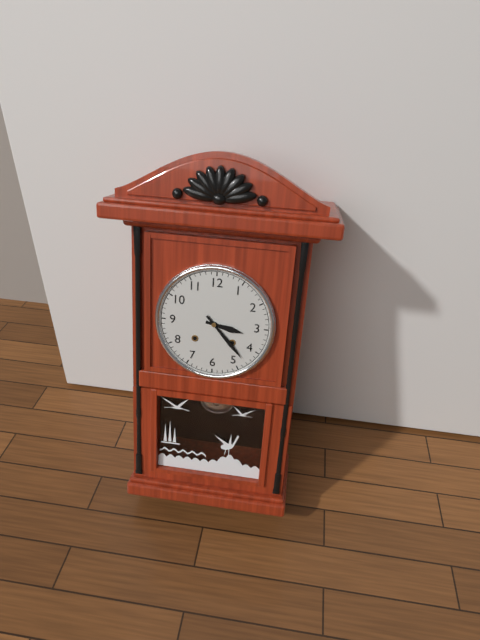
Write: 3,23
